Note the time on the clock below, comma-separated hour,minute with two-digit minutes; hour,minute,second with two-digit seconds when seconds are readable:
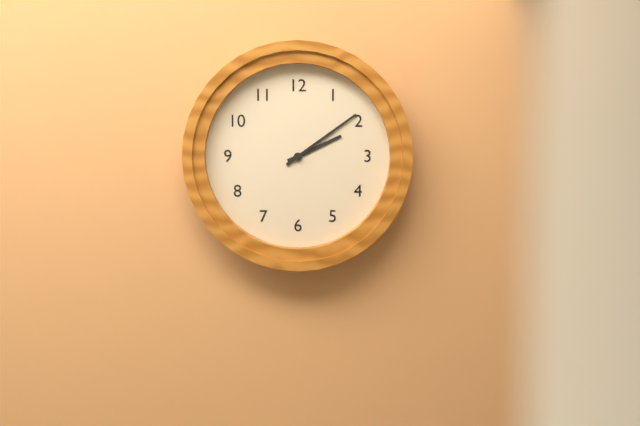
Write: 2,09
